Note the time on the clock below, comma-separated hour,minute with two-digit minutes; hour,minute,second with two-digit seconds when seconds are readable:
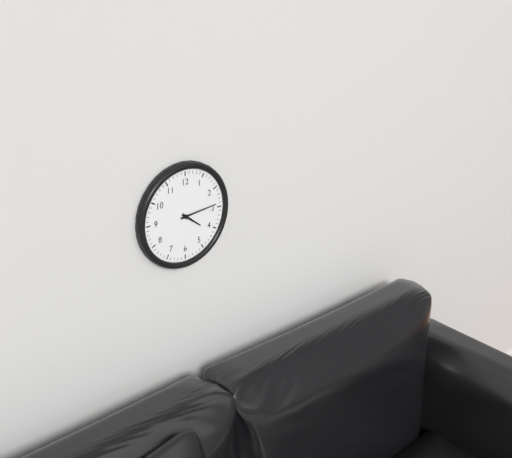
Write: 4,14
